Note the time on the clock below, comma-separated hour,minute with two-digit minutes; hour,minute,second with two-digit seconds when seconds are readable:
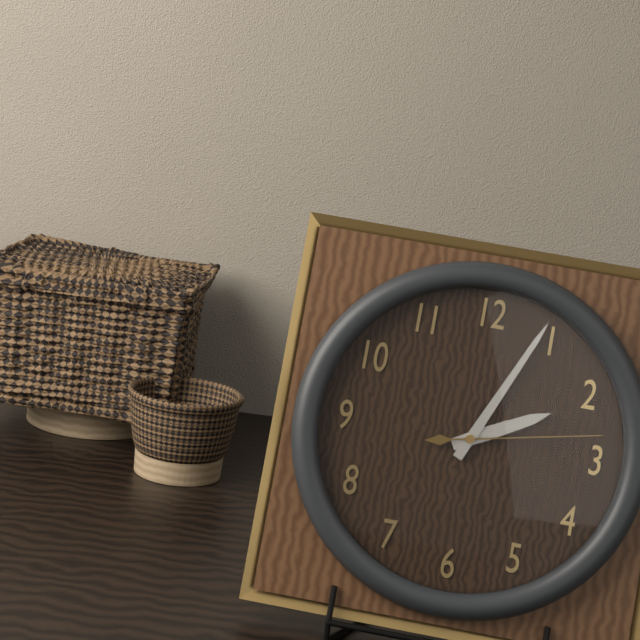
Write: 2,04,13
